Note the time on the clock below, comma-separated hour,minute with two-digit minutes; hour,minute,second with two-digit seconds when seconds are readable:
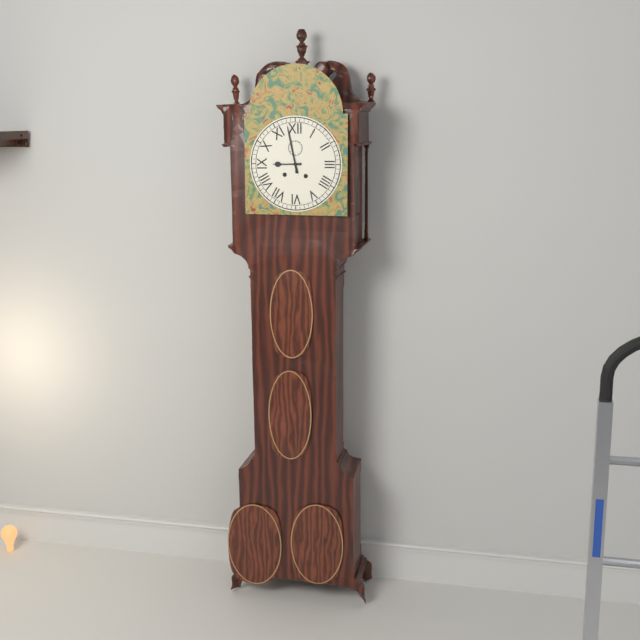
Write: 8,58
